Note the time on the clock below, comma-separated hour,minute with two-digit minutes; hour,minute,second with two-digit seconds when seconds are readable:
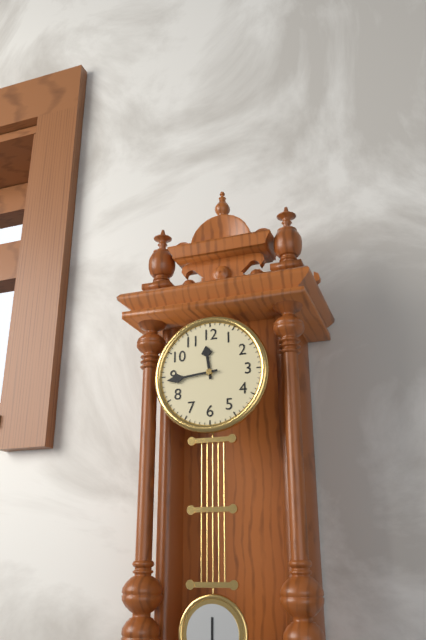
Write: 11,44
